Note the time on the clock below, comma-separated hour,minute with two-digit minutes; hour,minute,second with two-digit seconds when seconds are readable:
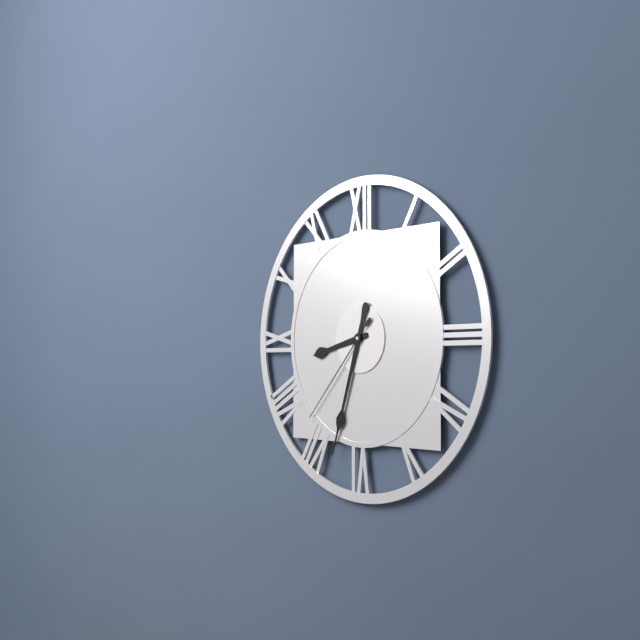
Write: 8,33,37
